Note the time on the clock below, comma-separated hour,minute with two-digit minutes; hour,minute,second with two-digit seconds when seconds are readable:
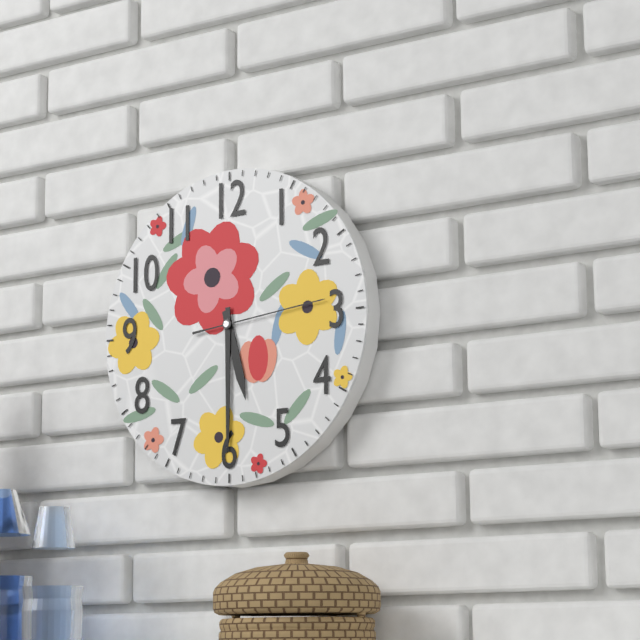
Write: 5,30,14
